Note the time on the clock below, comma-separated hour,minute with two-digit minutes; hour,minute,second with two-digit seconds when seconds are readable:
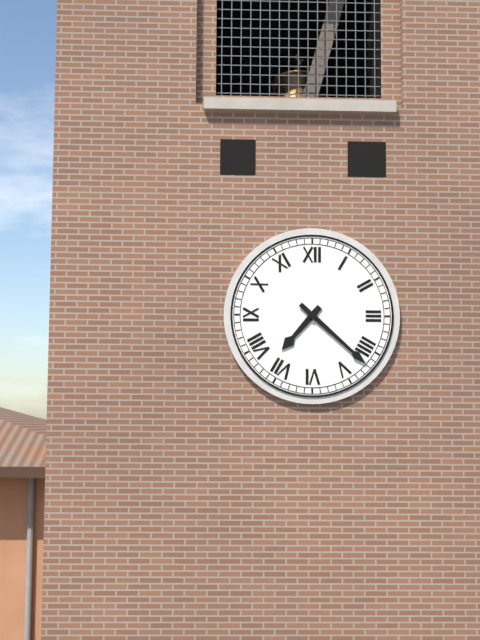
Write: 7,22
